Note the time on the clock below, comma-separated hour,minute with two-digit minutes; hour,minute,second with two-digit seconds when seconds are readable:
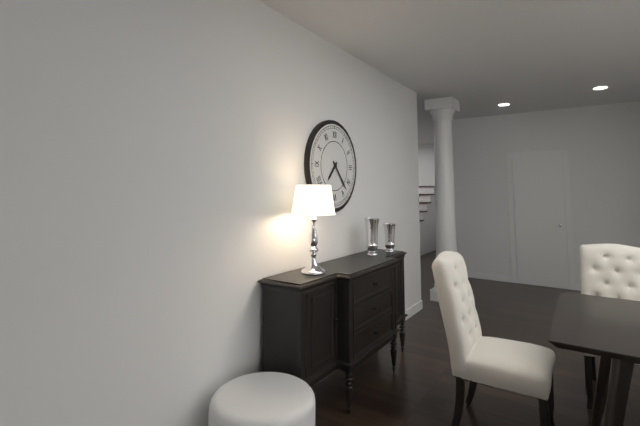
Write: 7,23
